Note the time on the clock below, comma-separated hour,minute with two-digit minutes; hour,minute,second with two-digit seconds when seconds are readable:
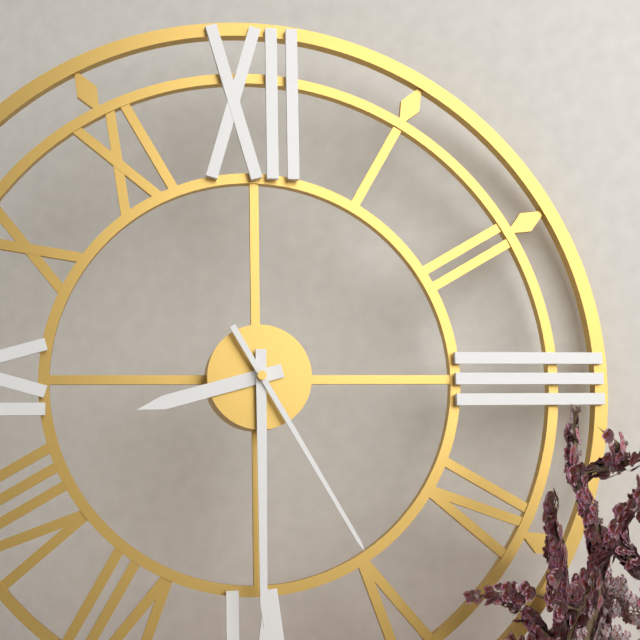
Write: 8,30,25
